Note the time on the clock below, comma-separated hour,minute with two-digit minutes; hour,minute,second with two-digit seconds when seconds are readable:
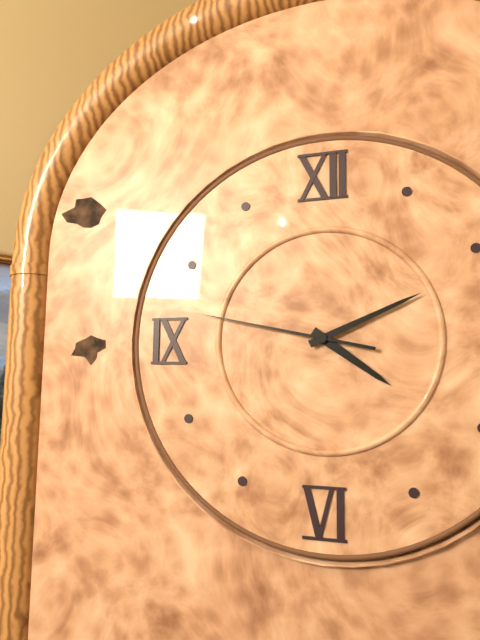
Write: 4,11,47
